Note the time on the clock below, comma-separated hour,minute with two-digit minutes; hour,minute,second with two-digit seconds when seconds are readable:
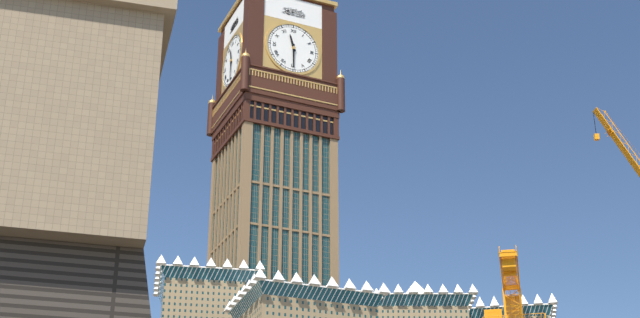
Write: 11,30
